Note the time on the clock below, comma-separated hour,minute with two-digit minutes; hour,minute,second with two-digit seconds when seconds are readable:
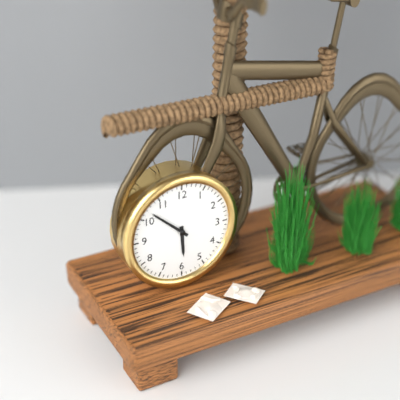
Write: 5,52
